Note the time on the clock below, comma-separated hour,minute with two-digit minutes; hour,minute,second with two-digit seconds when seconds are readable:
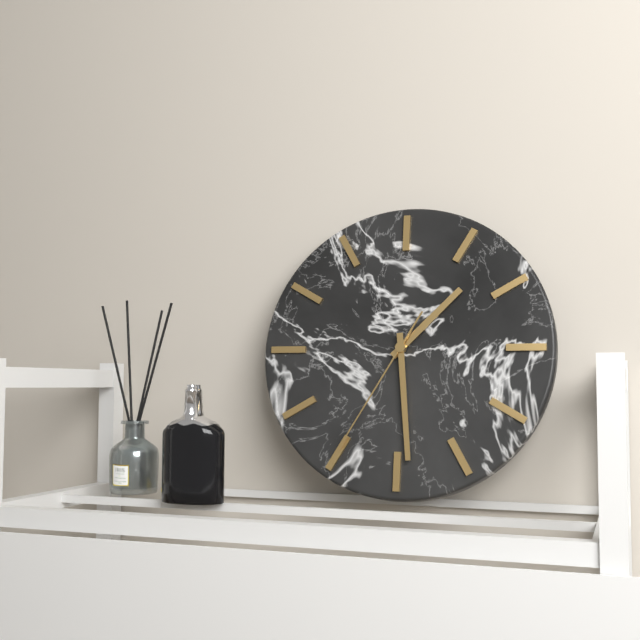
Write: 1,29,35
